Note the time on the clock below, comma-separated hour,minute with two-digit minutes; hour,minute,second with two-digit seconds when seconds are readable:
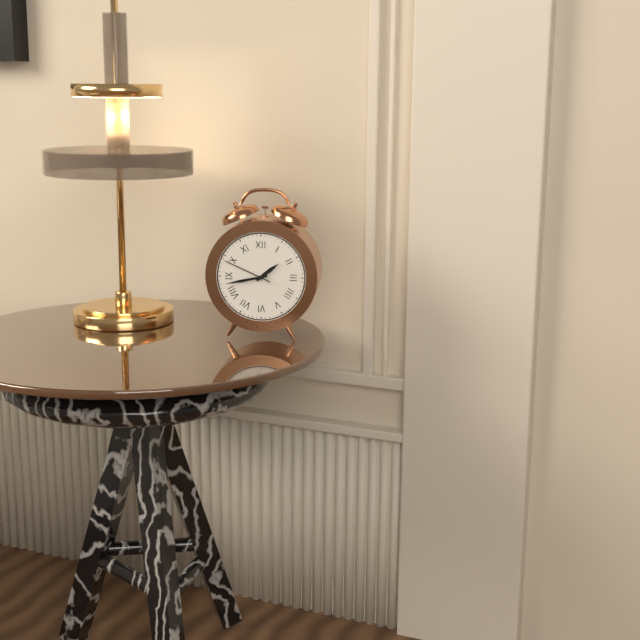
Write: 1,43,49
